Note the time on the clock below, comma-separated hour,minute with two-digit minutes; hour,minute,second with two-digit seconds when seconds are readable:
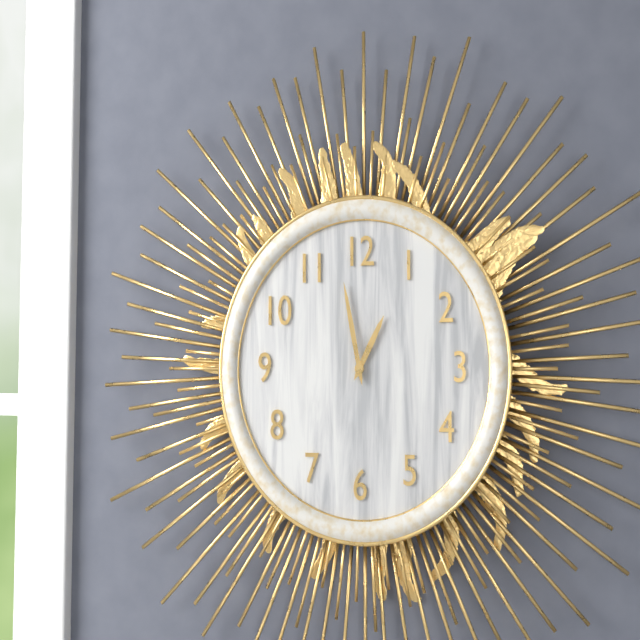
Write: 12,58
